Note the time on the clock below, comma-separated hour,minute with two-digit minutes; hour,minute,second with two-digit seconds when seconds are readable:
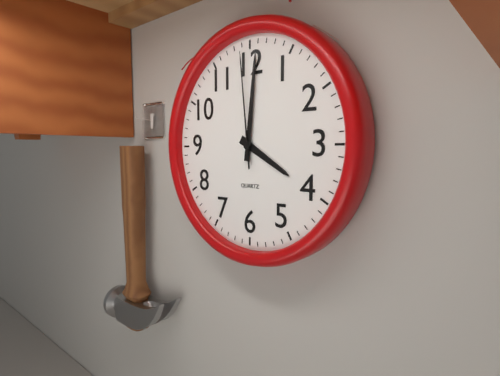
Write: 4,01,59
